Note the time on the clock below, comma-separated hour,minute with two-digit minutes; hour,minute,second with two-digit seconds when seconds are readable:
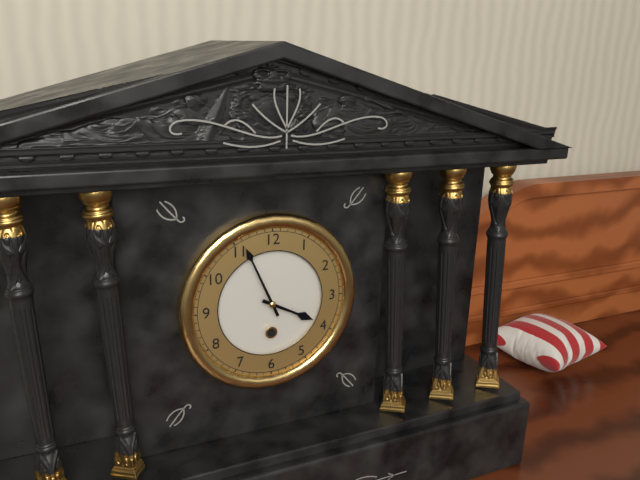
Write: 3,56
